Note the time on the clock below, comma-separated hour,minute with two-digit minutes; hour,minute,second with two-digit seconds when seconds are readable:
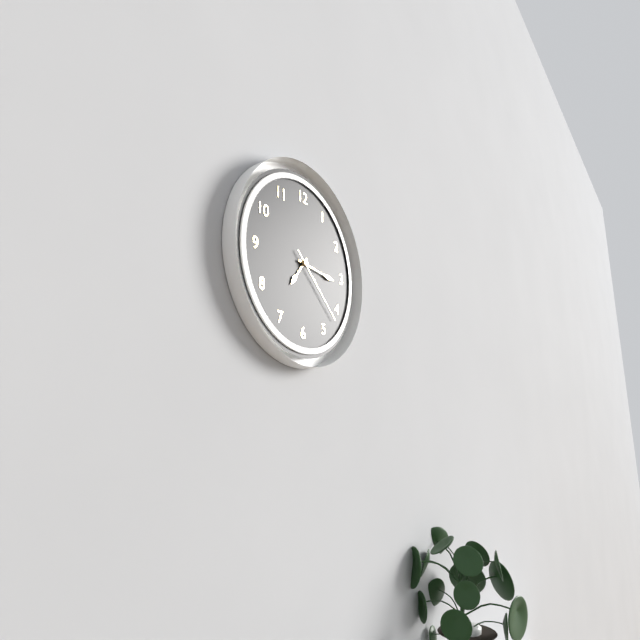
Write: 7,16,22
